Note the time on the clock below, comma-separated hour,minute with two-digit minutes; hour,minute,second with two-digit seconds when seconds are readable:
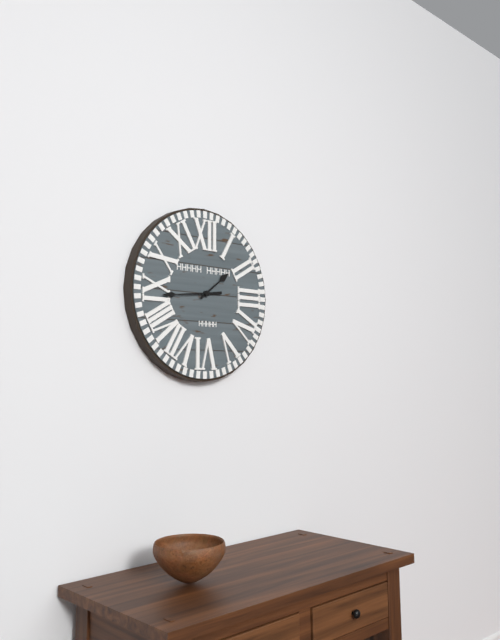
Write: 1,44
